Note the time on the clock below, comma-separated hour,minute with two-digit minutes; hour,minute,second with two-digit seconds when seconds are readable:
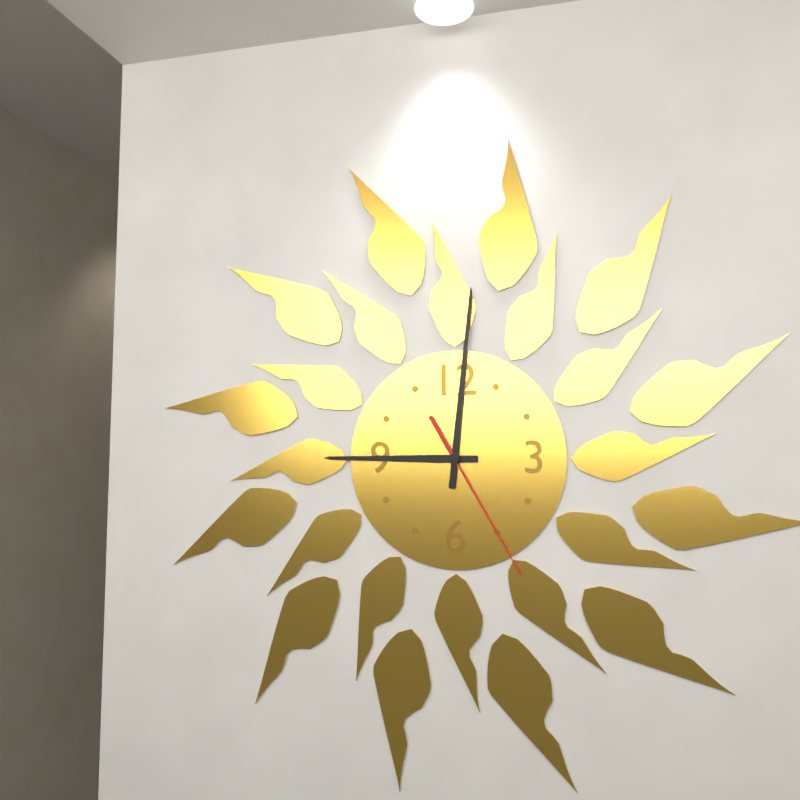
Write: 9,01,25
